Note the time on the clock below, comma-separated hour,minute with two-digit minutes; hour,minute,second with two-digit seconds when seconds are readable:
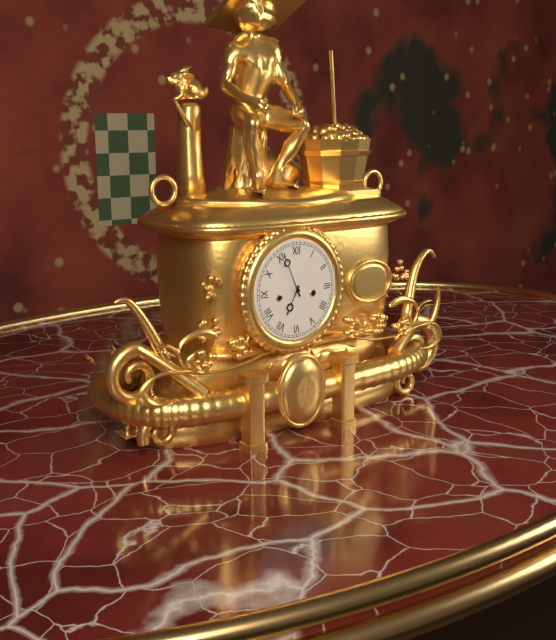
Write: 6,56
